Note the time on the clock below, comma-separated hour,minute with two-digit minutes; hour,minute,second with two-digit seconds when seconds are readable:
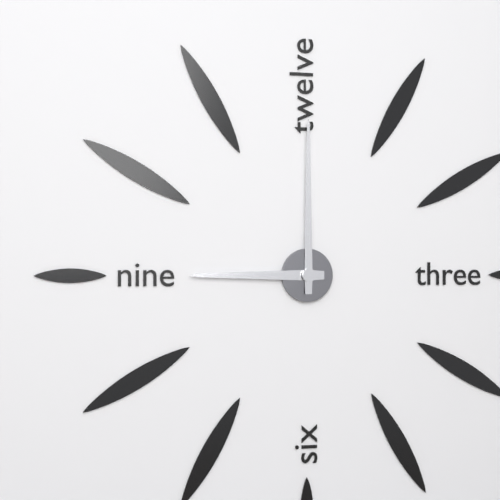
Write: 9,00
